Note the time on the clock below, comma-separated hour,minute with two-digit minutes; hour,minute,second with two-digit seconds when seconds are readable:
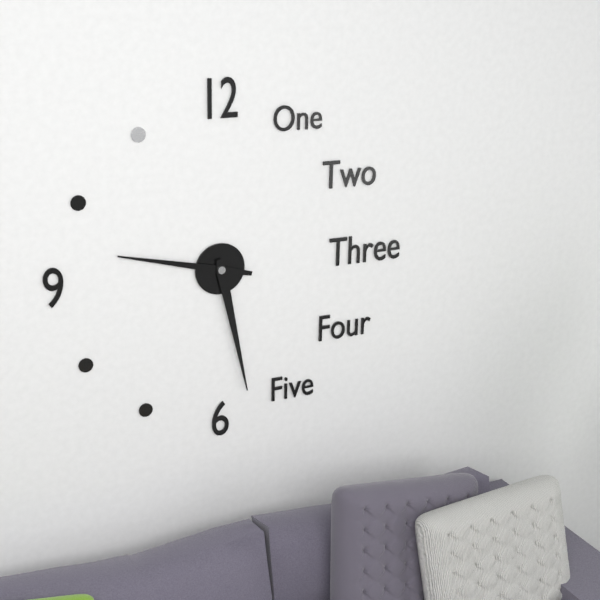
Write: 9,28
